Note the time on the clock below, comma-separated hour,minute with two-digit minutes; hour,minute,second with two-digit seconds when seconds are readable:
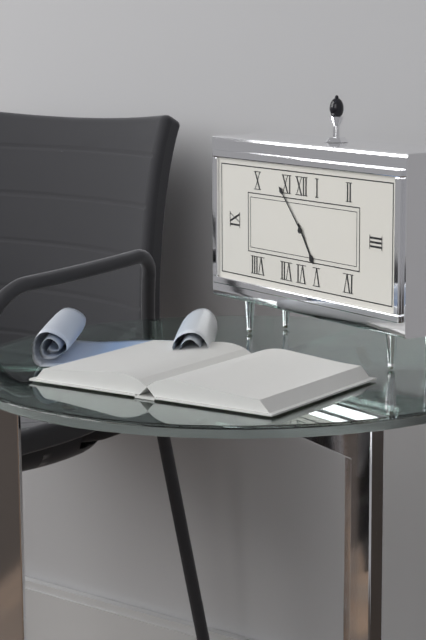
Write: 4,53
